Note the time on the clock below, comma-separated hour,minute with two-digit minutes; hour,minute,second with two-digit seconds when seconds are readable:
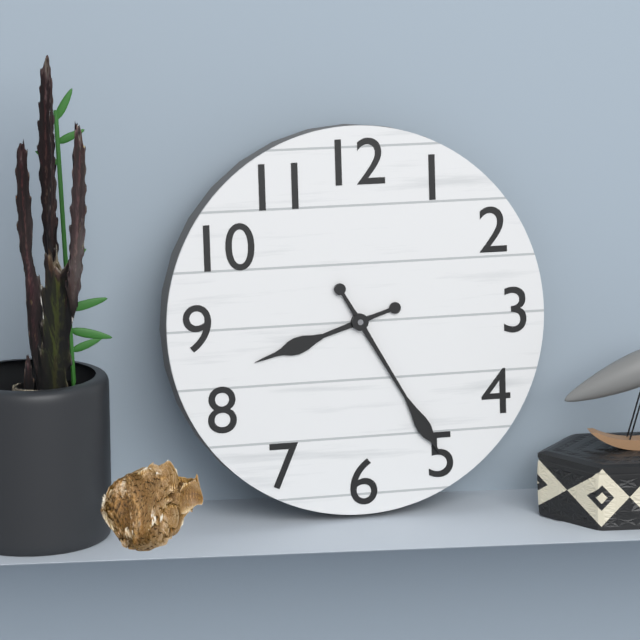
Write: 8,25
